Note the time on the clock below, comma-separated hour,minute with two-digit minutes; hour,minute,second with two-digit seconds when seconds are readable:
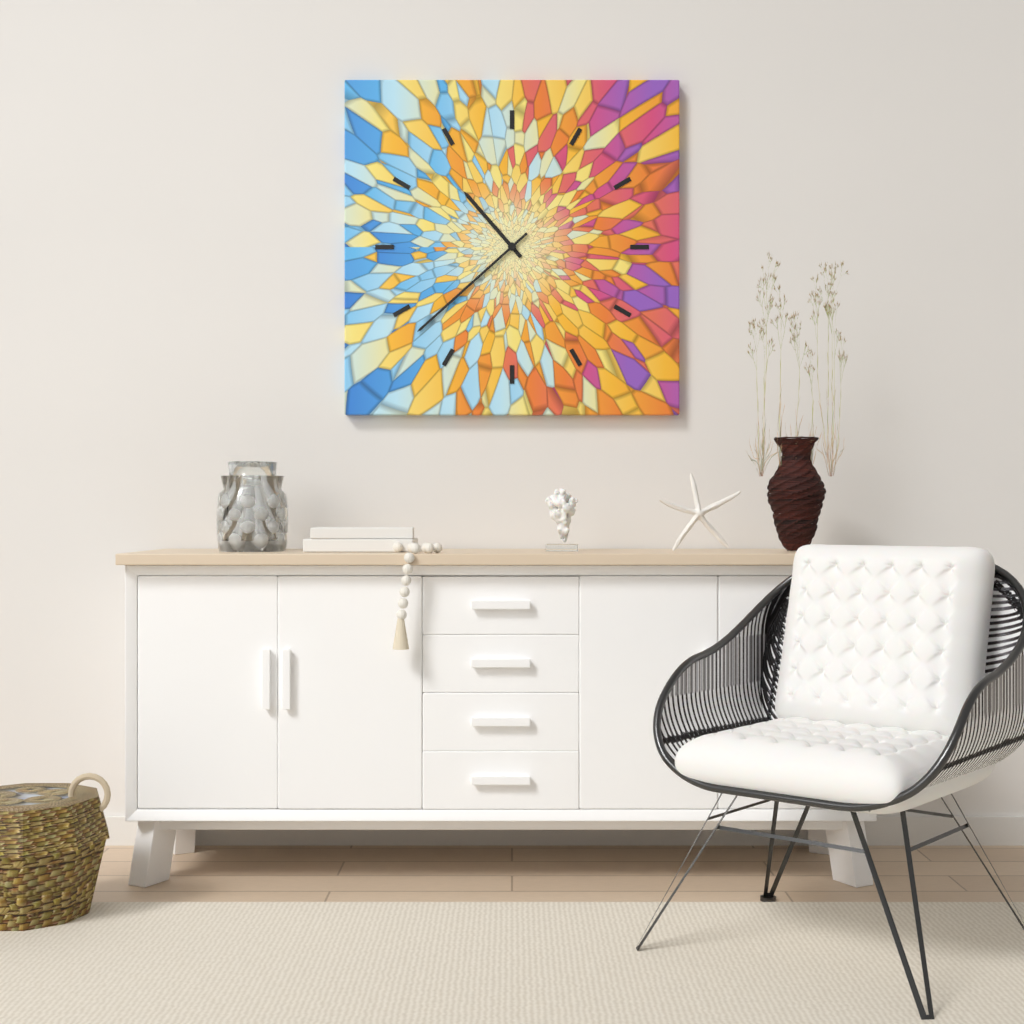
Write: 10,38
